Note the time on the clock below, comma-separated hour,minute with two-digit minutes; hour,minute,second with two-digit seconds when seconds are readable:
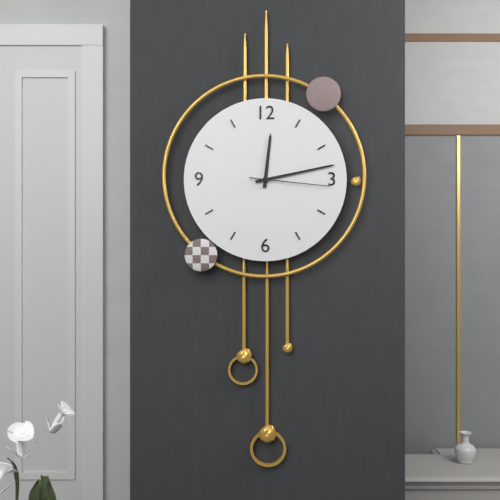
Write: 12,13,16
